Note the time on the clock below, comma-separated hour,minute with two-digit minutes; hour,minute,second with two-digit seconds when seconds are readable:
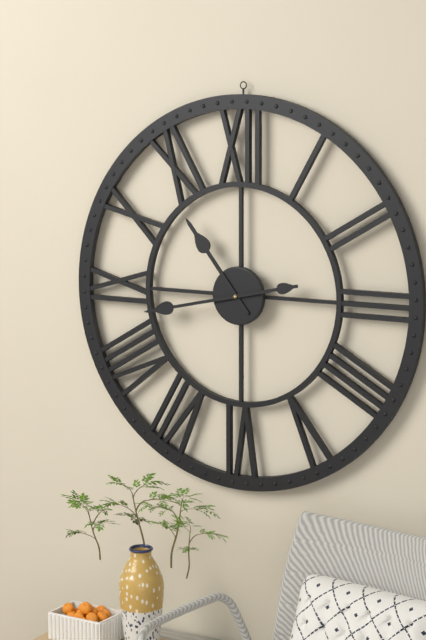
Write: 10,43
